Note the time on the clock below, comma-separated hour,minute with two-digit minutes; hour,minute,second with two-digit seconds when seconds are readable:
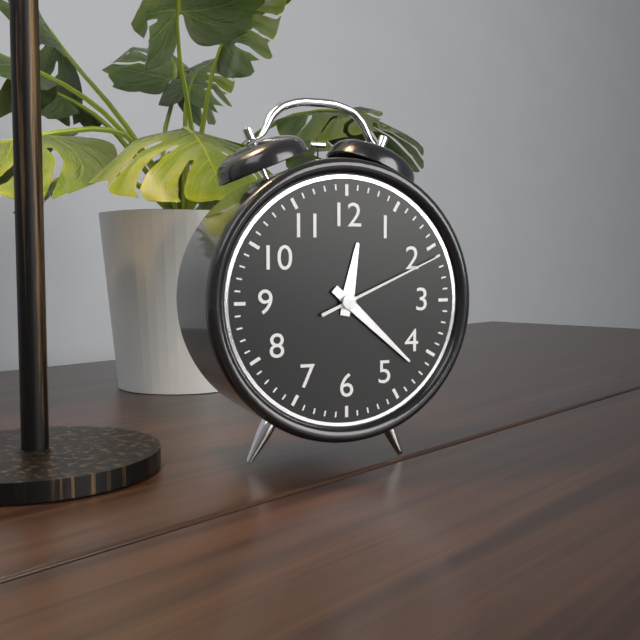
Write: 12,22,11
